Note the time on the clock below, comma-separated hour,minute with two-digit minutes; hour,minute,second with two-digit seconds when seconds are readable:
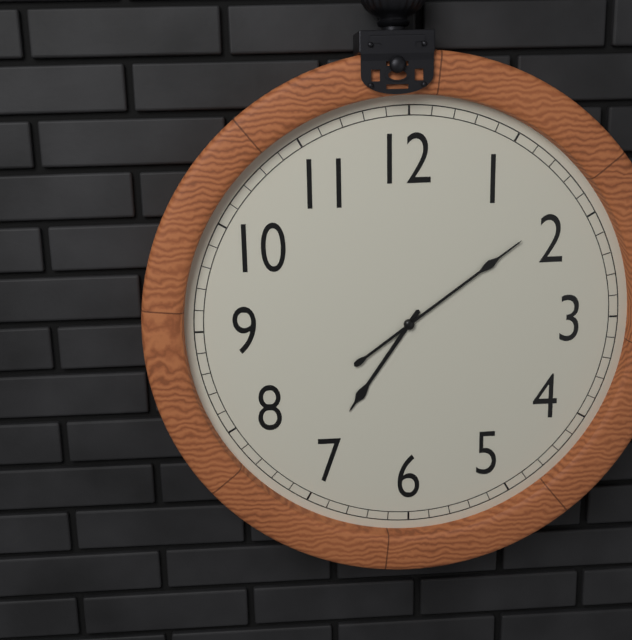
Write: 7,09
